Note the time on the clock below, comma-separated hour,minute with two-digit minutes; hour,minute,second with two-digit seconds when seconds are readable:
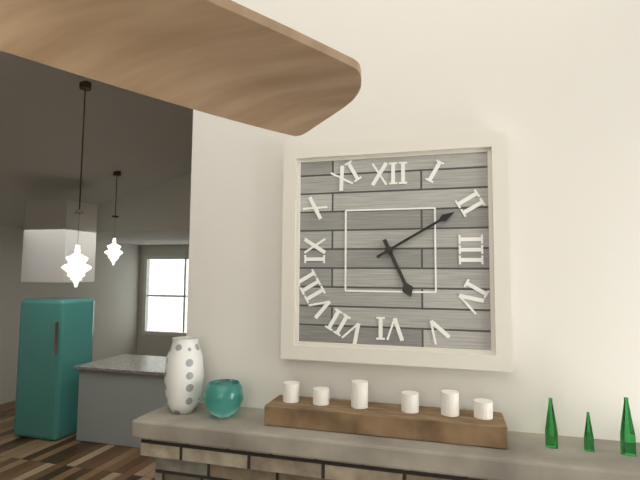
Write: 5,10
